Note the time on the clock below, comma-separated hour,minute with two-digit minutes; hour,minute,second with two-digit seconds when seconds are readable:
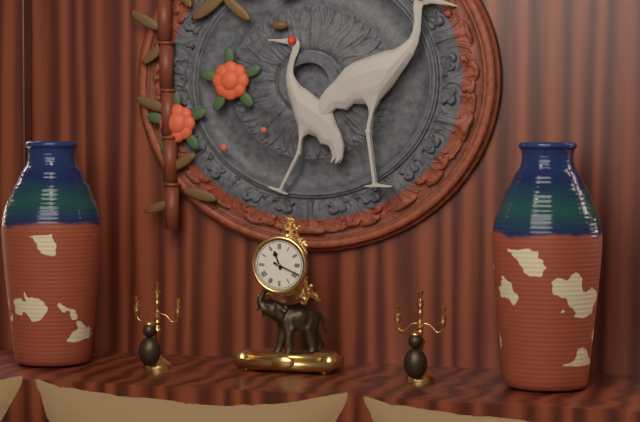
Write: 11,19
